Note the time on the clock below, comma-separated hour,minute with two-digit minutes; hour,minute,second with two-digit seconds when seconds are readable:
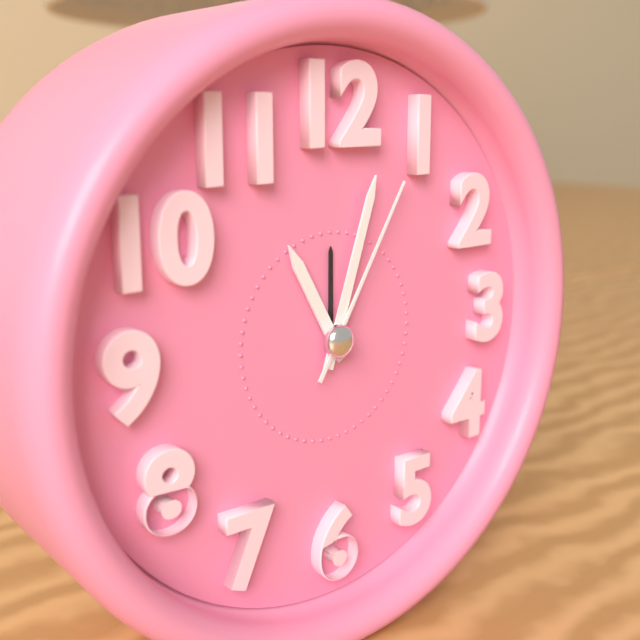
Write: 11,03,05
